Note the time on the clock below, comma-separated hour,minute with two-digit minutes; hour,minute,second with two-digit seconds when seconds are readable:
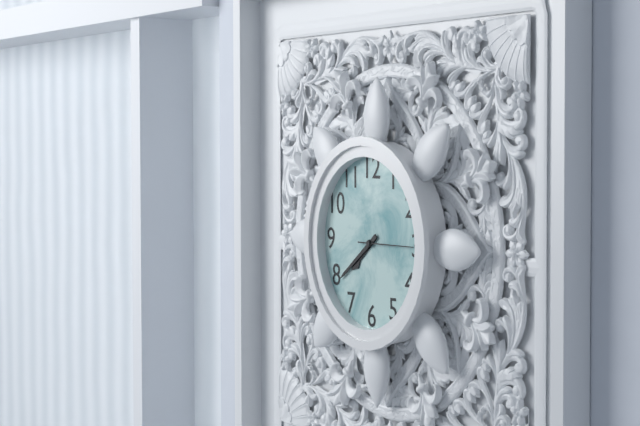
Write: 7,39,15
